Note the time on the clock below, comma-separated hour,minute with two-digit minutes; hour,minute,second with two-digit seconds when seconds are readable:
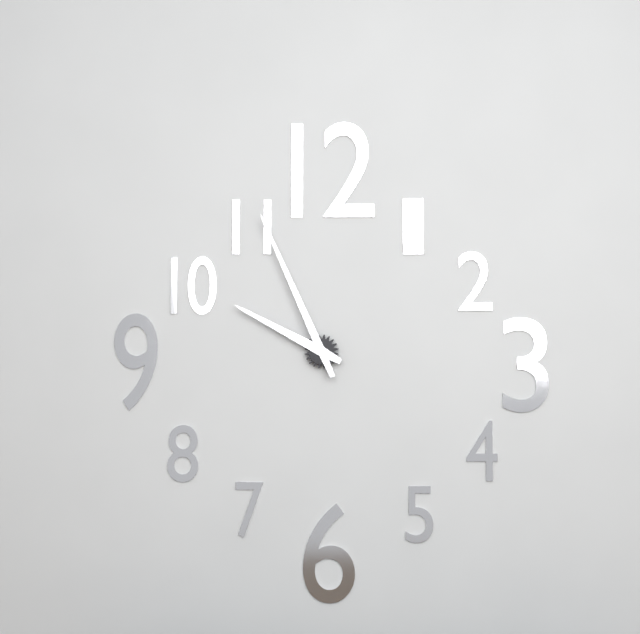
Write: 9,56
